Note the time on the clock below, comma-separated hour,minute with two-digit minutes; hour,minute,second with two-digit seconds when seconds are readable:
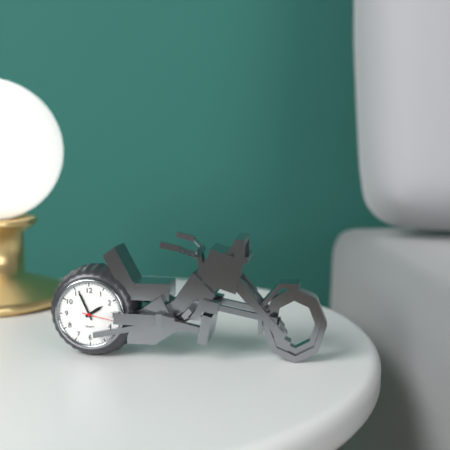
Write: 1,56
